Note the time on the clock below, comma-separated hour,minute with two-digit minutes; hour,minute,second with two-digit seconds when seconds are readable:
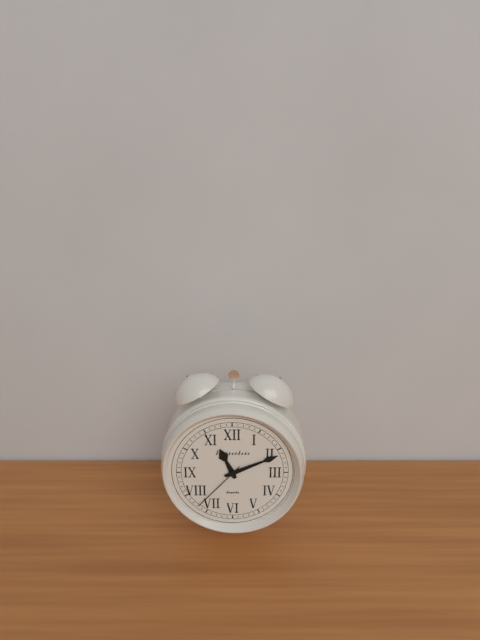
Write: 11,11,37
